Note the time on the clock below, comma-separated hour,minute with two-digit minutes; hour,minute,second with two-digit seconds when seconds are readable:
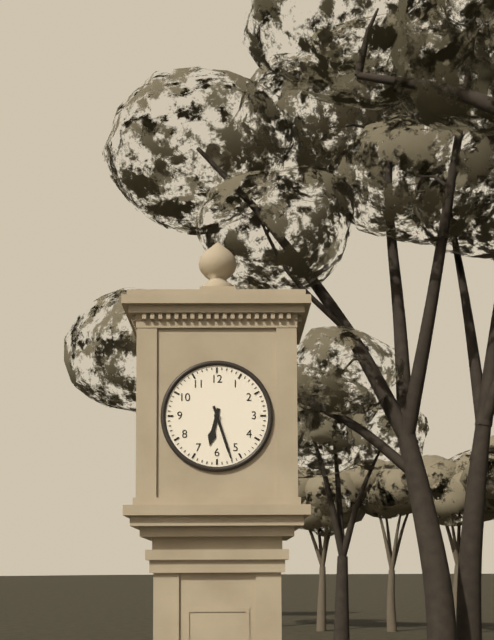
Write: 6,27
